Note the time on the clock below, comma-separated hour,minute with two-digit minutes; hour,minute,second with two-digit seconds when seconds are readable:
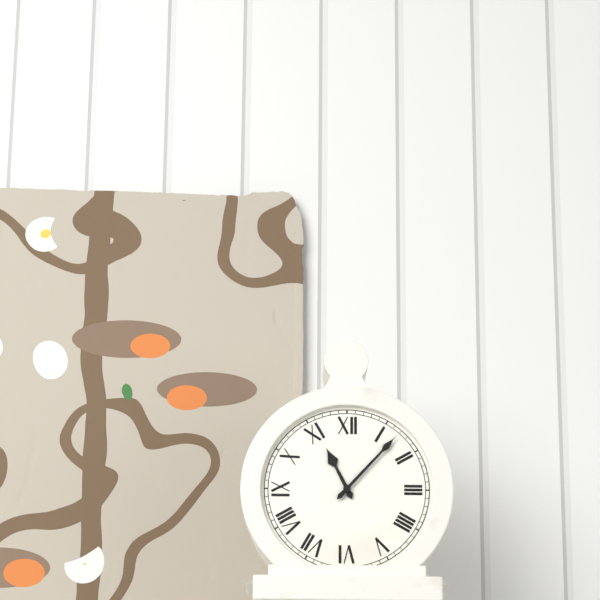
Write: 11,07
